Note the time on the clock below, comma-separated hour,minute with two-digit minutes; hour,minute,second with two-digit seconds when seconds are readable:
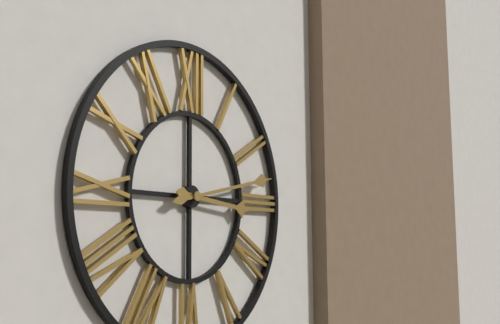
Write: 3,13
